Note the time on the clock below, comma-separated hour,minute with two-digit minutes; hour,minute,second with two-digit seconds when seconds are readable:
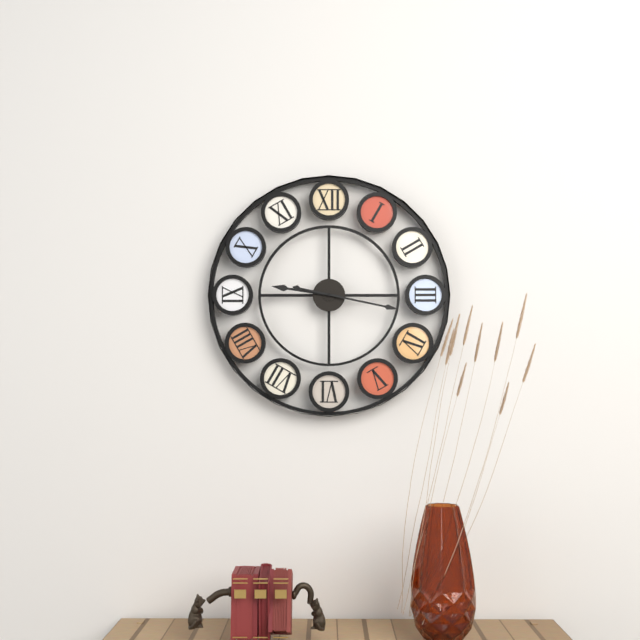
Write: 9,17
